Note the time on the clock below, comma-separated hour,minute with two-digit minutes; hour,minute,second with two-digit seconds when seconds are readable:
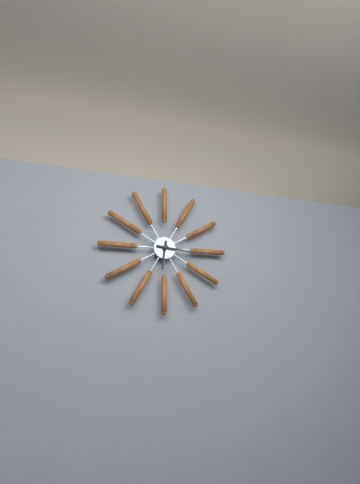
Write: 6,16
